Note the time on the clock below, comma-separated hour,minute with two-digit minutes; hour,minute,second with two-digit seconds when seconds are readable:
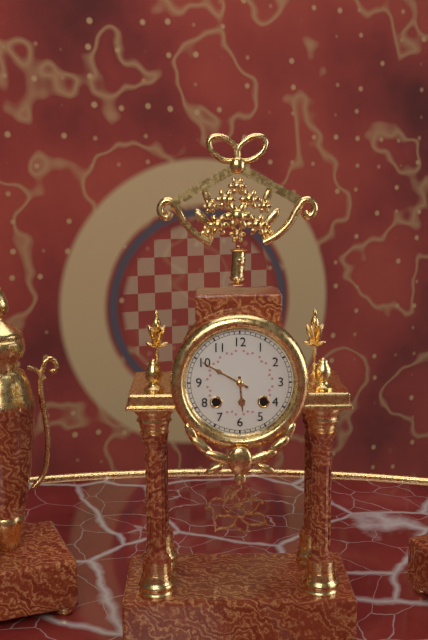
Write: 5,50
